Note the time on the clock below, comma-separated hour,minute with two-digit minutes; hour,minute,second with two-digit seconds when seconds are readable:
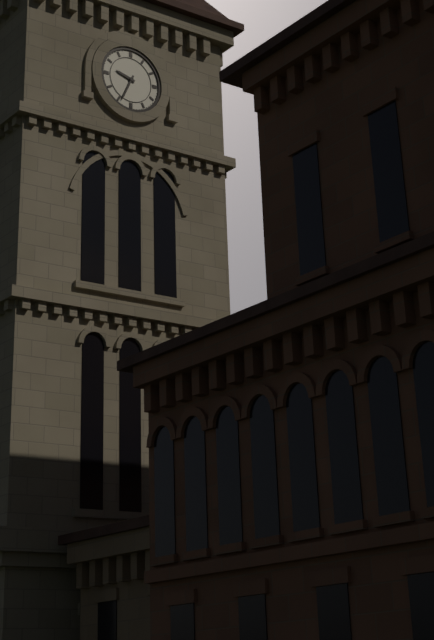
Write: 9,34
